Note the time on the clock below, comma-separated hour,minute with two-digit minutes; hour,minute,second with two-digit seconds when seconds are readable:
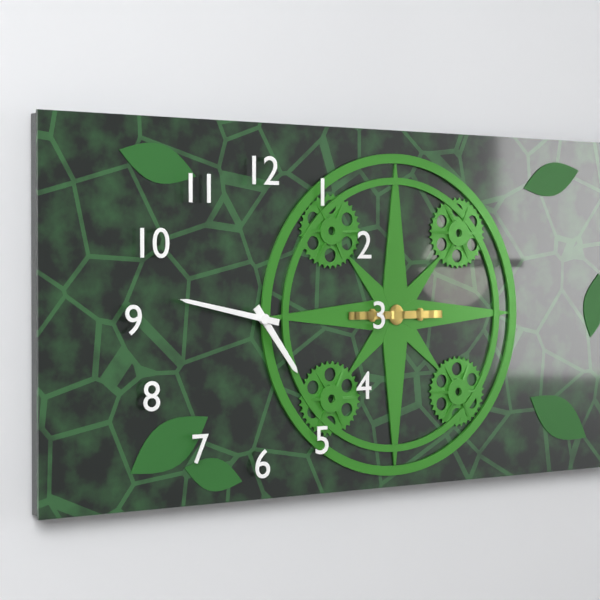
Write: 4,47
